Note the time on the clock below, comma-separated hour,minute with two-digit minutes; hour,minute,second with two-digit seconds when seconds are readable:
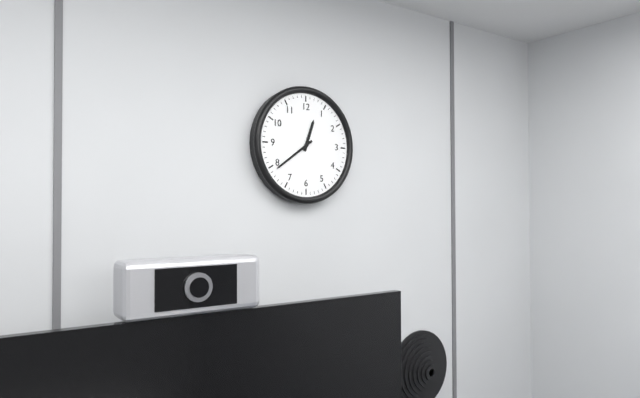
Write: 12,39
